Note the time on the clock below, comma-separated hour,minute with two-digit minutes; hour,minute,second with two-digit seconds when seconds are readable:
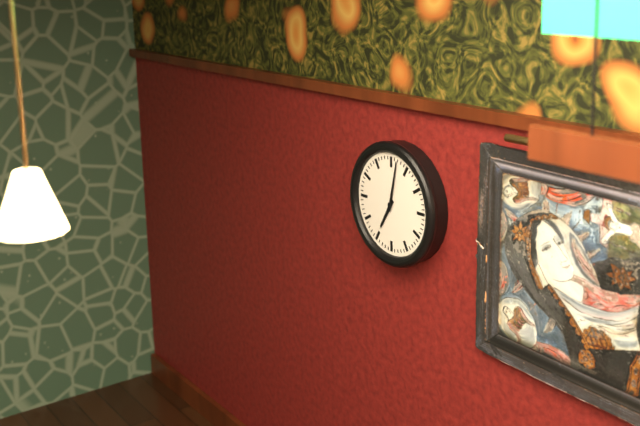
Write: 7,02
